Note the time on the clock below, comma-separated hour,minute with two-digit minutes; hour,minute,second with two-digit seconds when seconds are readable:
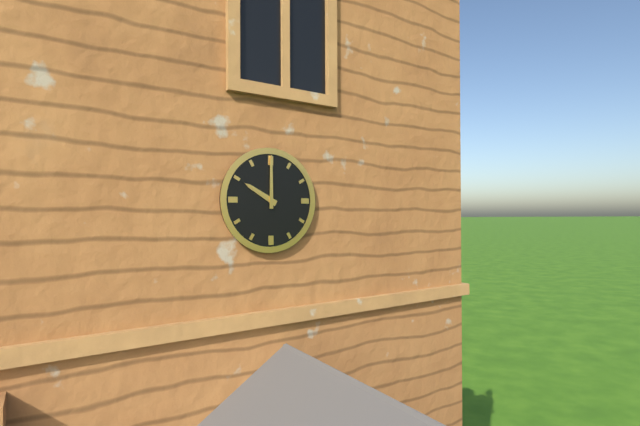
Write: 10,00
